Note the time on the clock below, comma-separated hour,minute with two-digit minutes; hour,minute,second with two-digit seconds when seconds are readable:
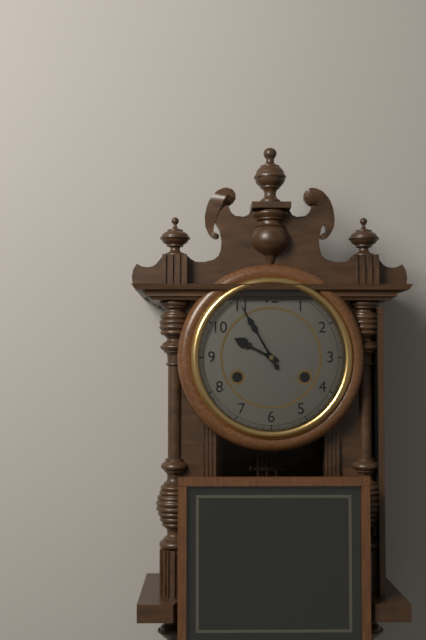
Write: 9,55
